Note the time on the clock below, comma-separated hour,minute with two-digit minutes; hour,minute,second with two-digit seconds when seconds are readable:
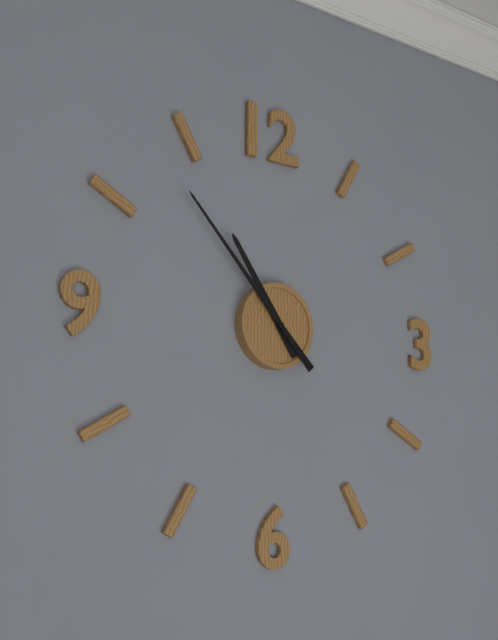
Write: 10,53
